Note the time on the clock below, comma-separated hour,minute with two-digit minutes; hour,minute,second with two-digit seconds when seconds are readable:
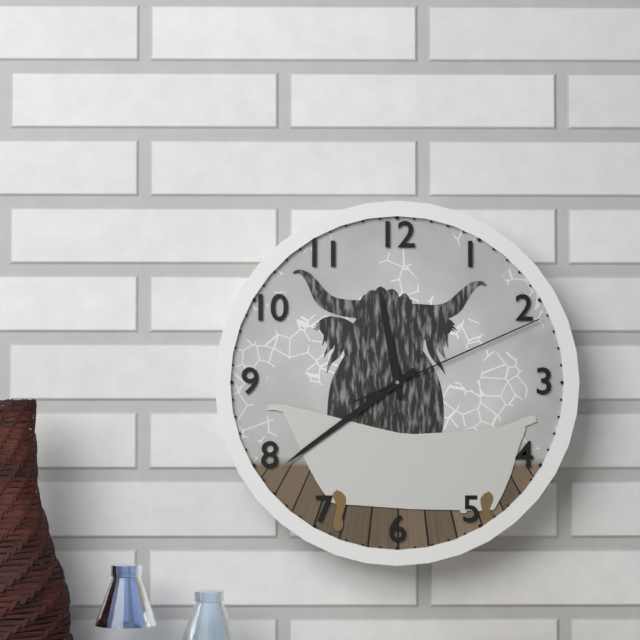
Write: 11,39,11
